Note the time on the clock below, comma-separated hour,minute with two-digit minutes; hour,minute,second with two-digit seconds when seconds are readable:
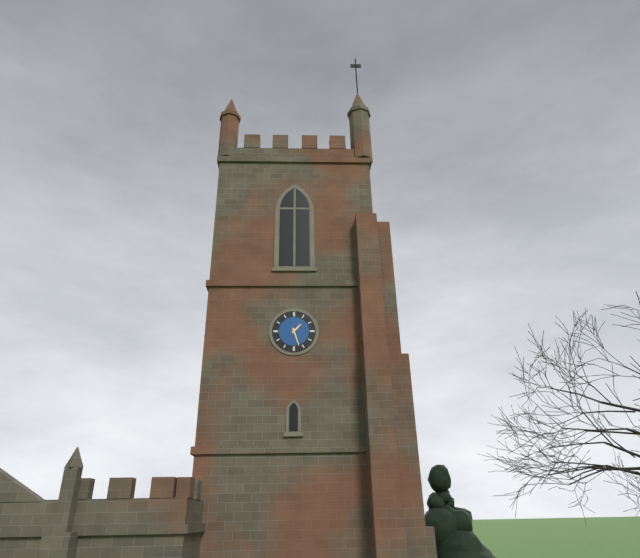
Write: 1,27
